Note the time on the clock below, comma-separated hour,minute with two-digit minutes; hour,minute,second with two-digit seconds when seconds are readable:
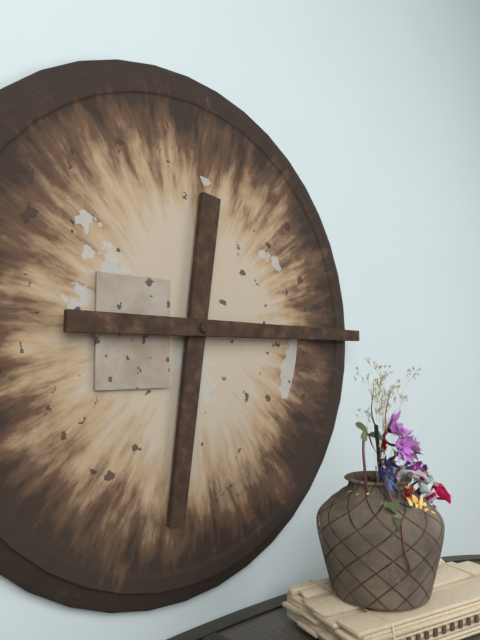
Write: 6,15
